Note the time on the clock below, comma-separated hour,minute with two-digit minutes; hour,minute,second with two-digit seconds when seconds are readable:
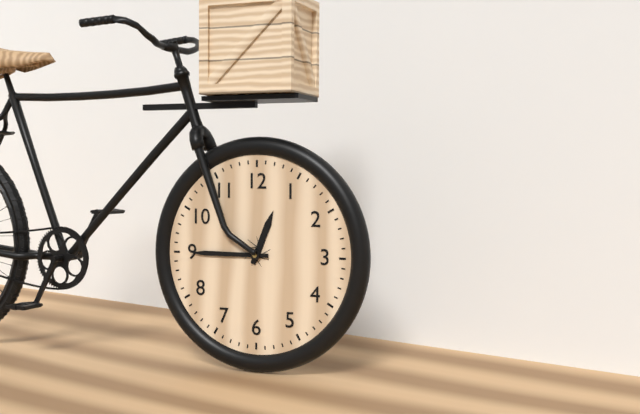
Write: 12,45
